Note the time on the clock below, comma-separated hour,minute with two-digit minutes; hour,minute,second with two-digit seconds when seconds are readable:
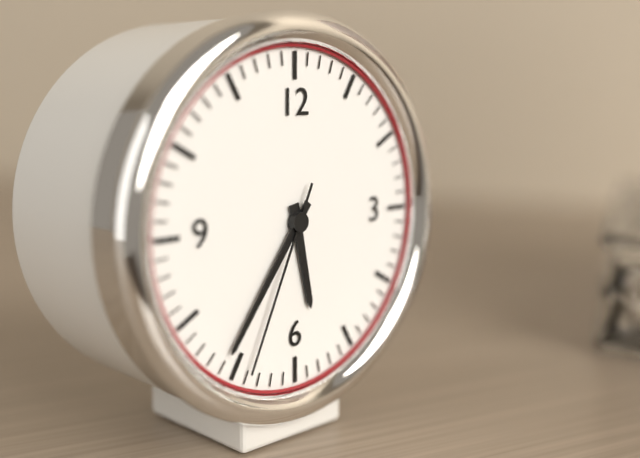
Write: 5,36,34
